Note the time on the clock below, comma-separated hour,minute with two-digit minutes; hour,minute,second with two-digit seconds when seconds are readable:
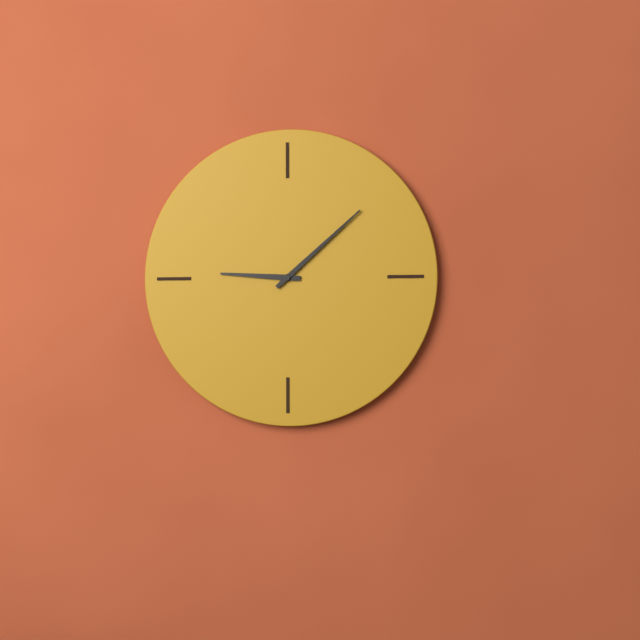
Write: 9,08
